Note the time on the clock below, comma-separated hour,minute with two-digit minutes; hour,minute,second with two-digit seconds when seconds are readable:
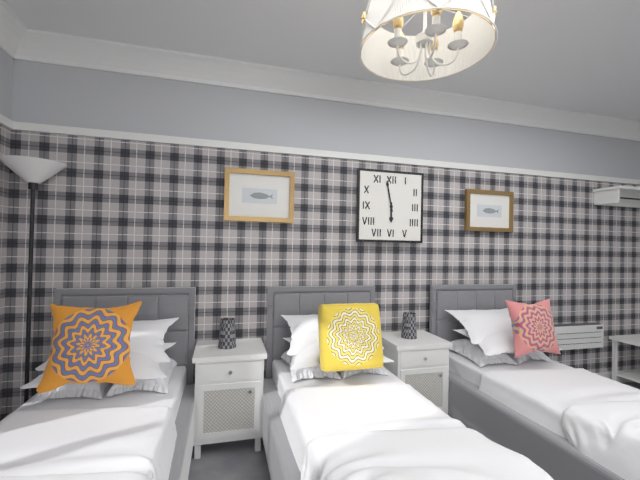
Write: 5,58
